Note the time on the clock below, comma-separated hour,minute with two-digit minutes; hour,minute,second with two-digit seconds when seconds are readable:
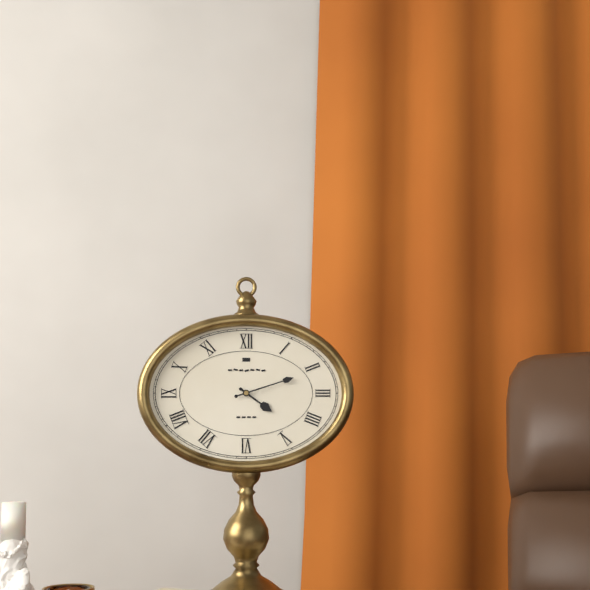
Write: 4,12
